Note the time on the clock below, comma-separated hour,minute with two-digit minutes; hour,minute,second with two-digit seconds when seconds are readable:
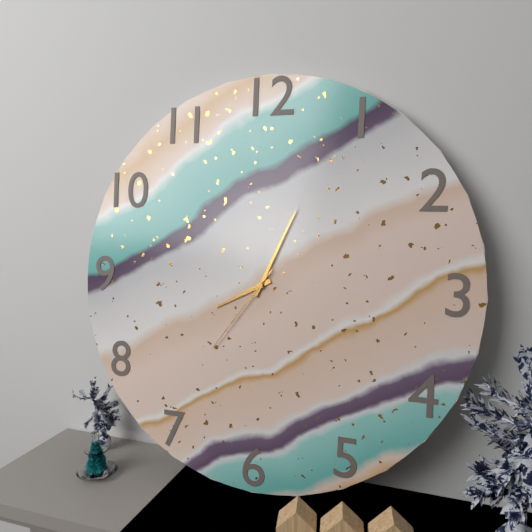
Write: 8,04,36
